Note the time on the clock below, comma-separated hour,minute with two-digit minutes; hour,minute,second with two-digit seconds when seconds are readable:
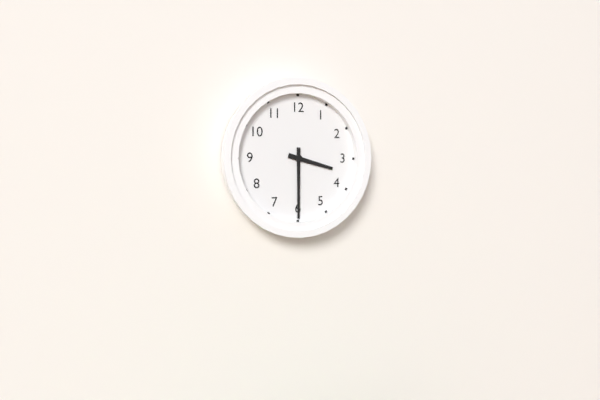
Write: 3,30
